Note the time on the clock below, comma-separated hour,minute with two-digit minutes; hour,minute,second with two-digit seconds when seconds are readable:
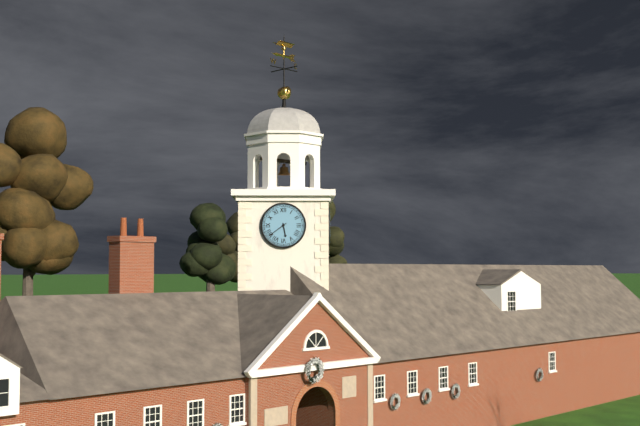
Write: 5,39
